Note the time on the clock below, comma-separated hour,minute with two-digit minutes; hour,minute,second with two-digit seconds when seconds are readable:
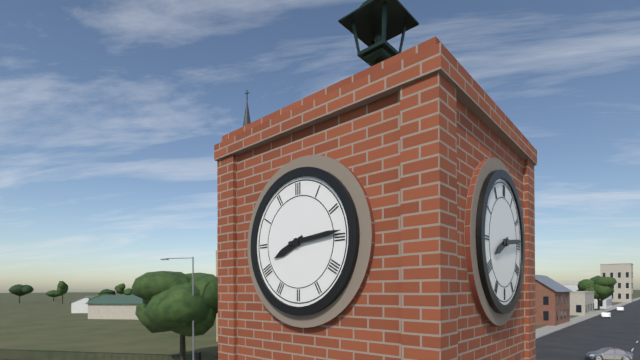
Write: 8,14
